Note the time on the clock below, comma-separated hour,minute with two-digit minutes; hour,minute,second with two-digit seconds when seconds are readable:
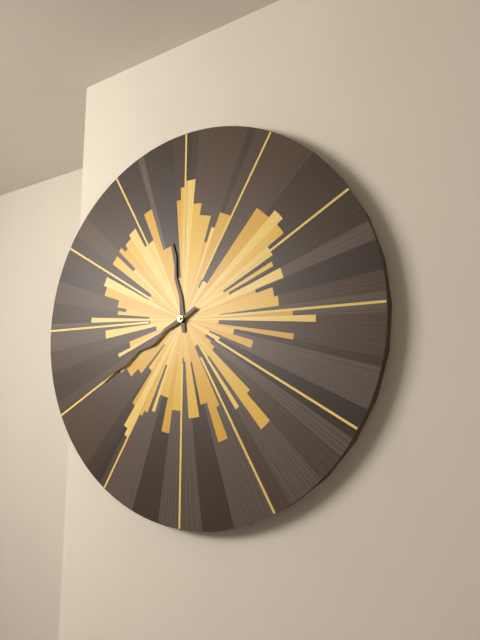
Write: 11,40
